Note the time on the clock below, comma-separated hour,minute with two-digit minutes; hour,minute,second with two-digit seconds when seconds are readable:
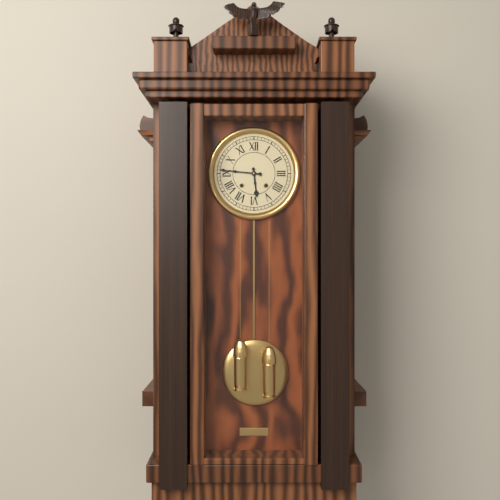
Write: 5,46
